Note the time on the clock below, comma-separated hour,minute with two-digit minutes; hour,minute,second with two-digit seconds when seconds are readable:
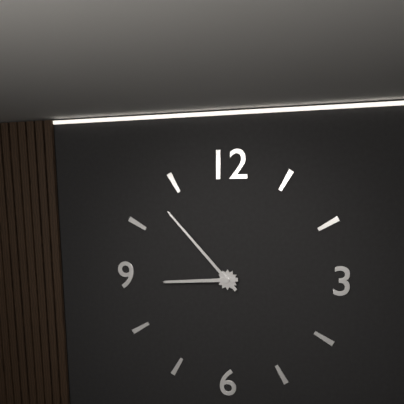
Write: 8,53
